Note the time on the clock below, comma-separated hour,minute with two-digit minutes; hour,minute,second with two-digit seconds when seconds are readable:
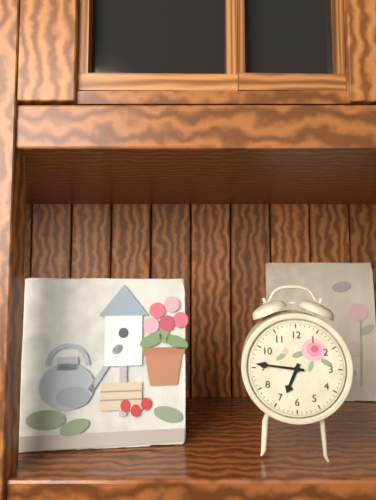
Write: 6,46
